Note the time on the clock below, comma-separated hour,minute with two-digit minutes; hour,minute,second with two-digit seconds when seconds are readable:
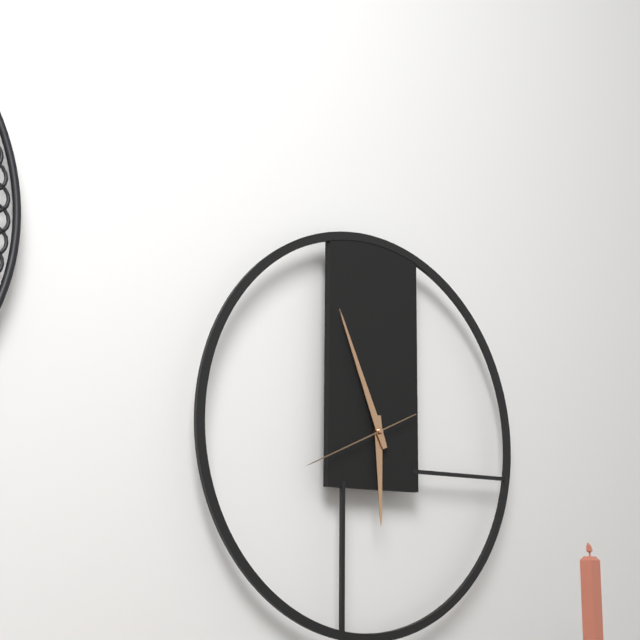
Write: 5,56,41
